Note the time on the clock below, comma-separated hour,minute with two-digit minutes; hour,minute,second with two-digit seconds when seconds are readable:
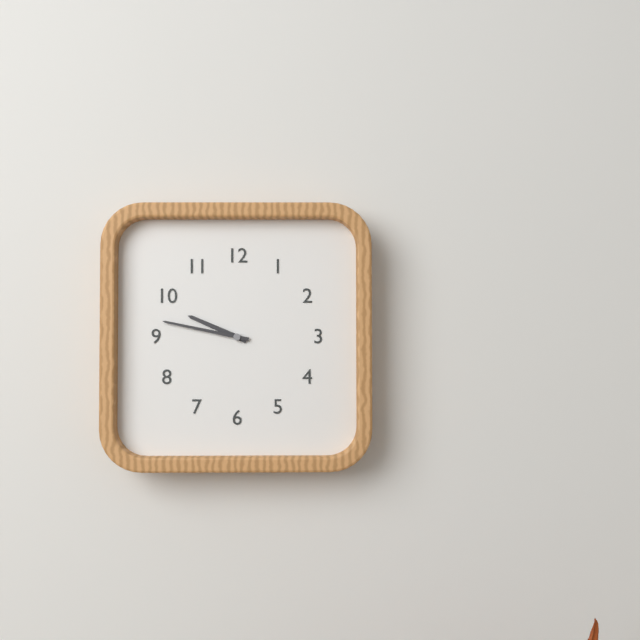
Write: 9,47
